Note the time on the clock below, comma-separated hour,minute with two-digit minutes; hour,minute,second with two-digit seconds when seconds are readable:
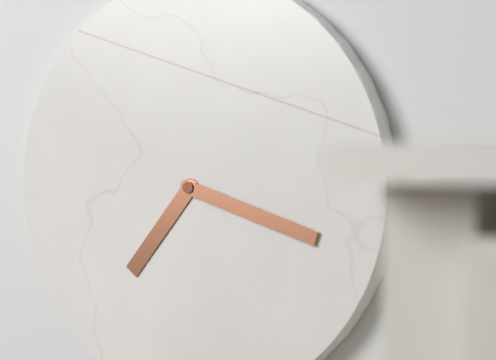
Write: 7,18
